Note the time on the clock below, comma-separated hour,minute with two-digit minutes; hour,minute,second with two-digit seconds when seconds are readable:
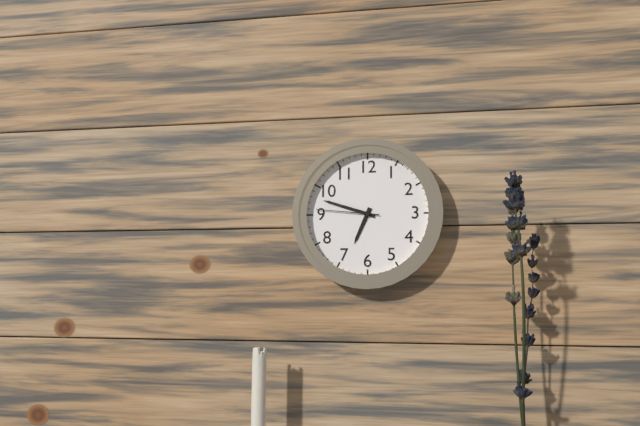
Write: 6,48,46
